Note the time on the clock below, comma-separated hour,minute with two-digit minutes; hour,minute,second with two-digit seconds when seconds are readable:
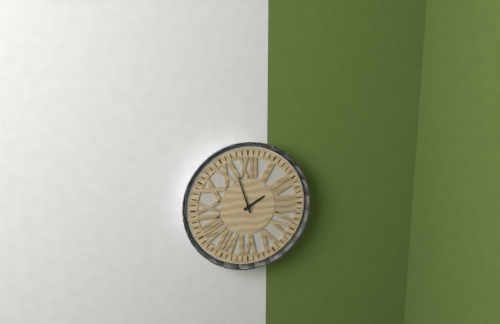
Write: 1,57
